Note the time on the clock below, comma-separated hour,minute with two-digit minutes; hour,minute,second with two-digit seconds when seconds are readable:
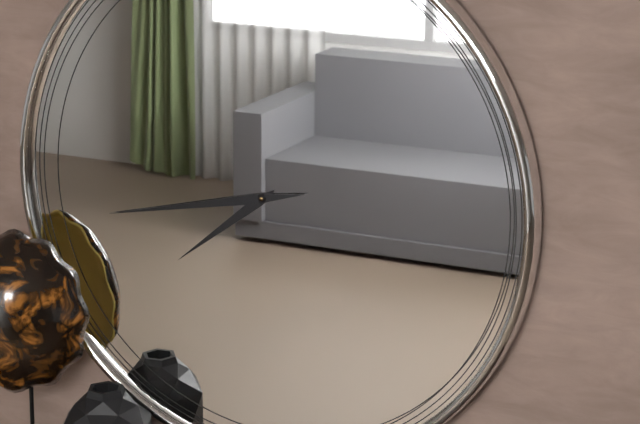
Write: 7,43
